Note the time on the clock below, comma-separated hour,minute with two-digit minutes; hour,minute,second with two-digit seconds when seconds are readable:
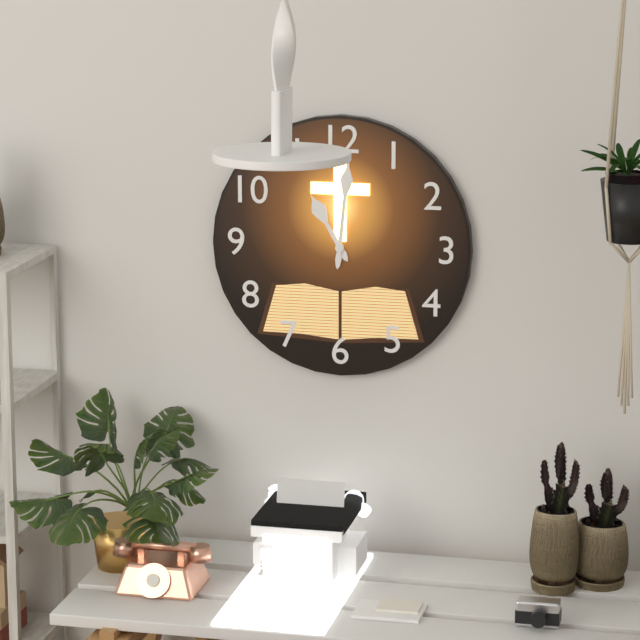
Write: 11,01
